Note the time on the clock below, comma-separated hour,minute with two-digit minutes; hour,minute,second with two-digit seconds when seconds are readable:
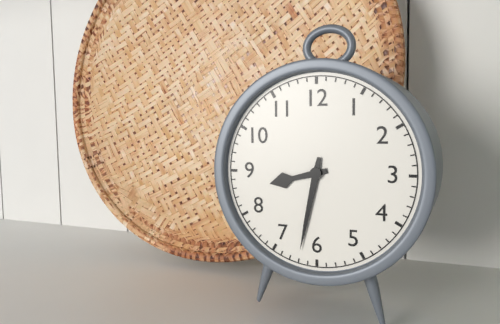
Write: 8,32
